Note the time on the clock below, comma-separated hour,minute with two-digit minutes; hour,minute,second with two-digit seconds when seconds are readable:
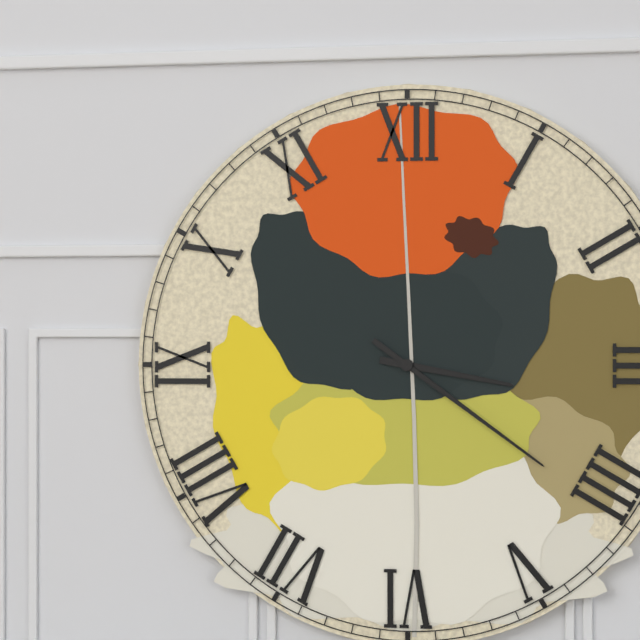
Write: 3,21
